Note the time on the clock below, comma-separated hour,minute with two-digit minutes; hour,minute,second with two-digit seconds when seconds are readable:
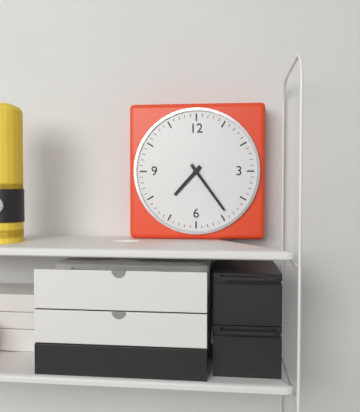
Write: 7,24
